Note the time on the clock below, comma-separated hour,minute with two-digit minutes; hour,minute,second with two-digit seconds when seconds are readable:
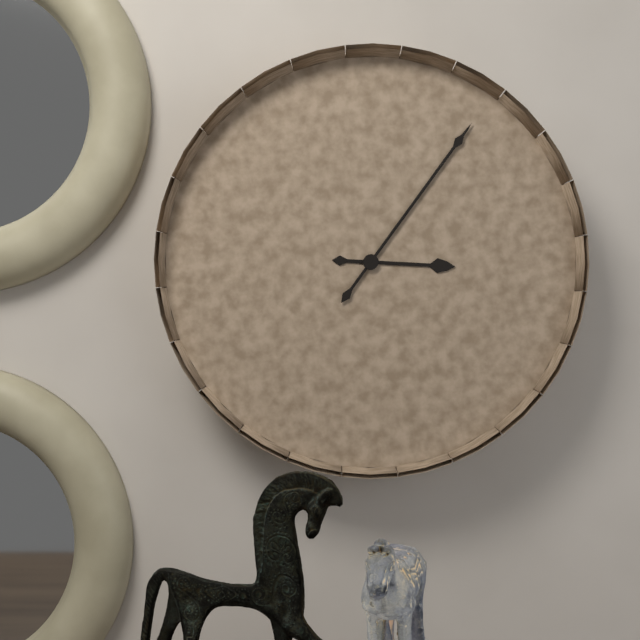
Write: 3,06
